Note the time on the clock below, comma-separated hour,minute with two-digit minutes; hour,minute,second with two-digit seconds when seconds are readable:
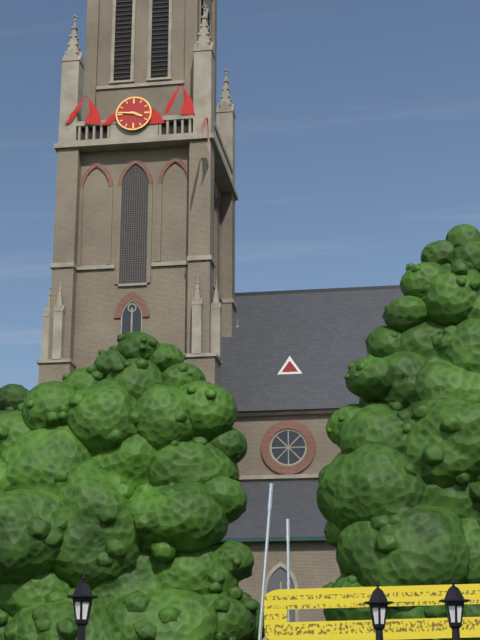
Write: 3,46
